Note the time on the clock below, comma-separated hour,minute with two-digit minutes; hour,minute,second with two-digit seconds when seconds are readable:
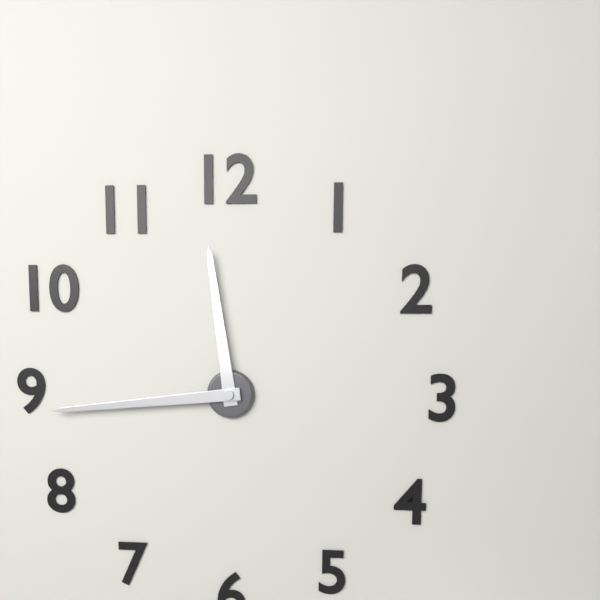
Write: 11,44
